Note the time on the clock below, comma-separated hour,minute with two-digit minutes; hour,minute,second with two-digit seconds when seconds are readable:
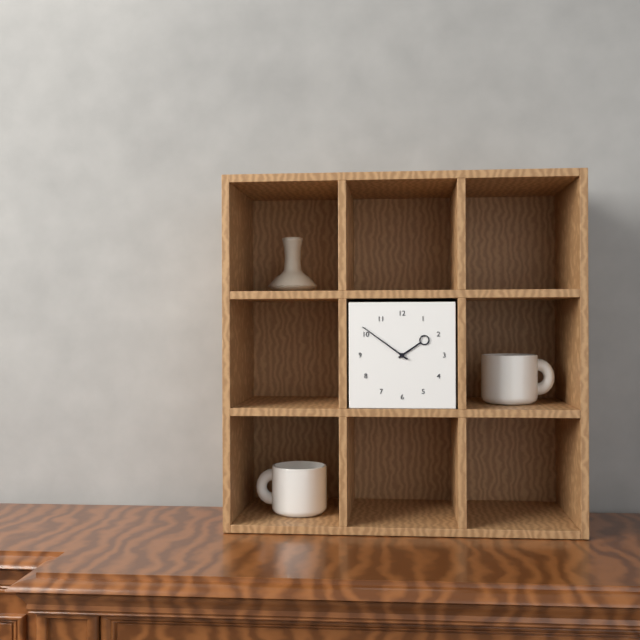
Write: 1,51
